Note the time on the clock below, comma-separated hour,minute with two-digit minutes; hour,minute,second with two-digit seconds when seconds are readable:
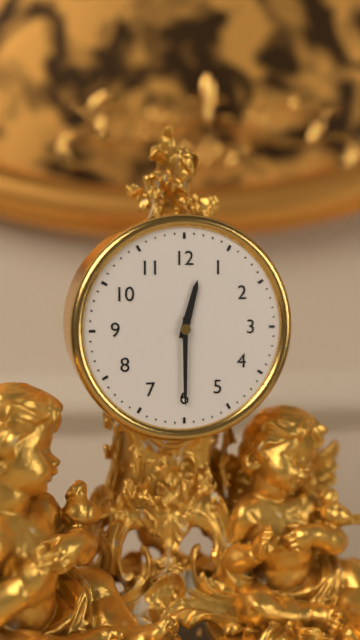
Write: 12,30
